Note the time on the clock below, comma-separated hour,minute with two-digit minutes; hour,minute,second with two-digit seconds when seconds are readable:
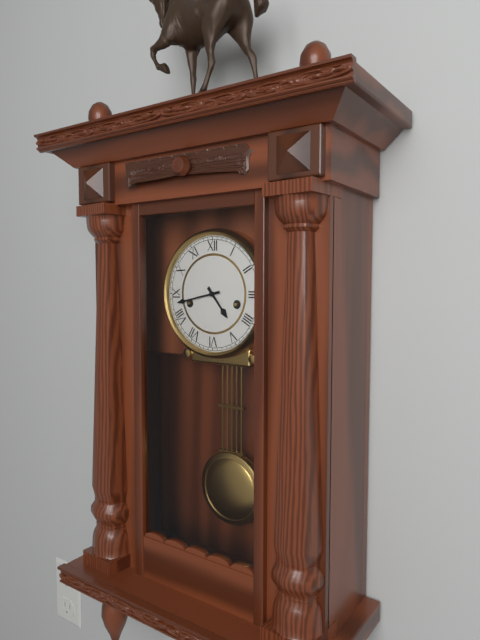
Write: 4,43
